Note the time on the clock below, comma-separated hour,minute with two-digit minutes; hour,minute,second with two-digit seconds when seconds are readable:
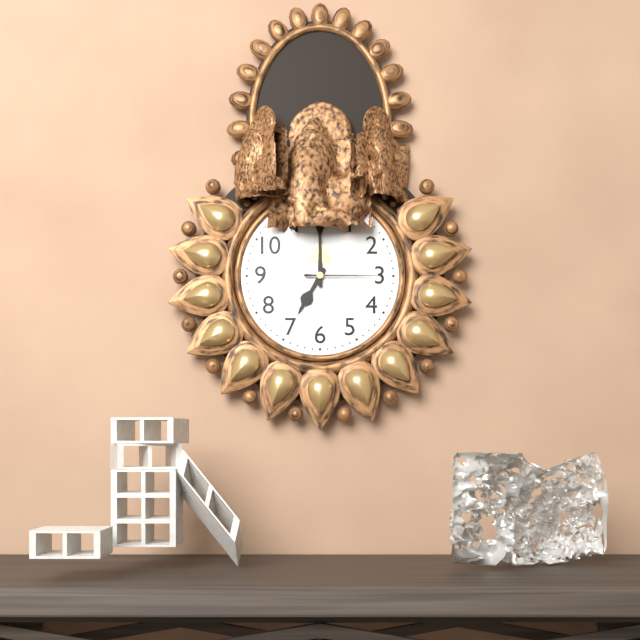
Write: 7,00,15
